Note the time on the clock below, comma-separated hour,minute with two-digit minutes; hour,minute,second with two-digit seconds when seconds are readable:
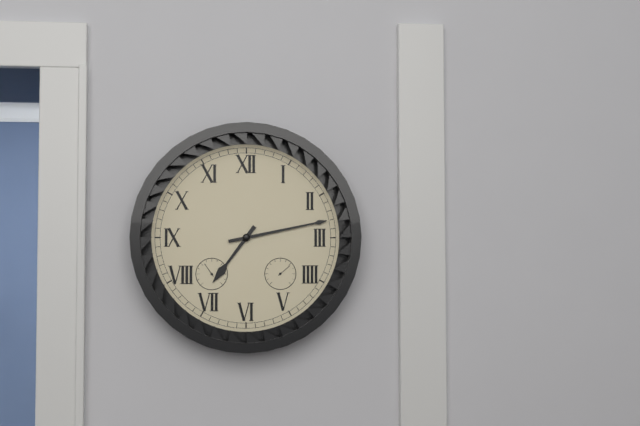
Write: 7,13
